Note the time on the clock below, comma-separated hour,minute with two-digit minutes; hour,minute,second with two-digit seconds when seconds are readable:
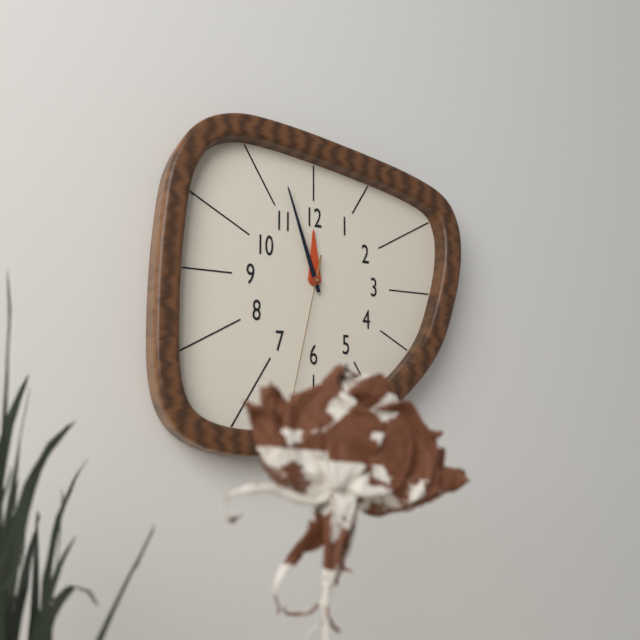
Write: 11,57,32
